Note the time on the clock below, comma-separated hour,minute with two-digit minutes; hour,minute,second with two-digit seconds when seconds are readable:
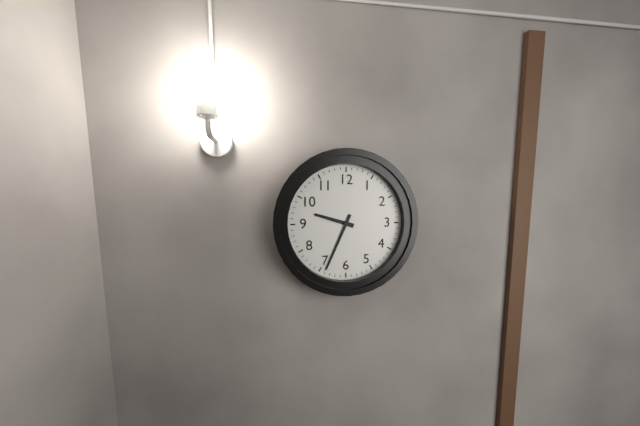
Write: 9,34
